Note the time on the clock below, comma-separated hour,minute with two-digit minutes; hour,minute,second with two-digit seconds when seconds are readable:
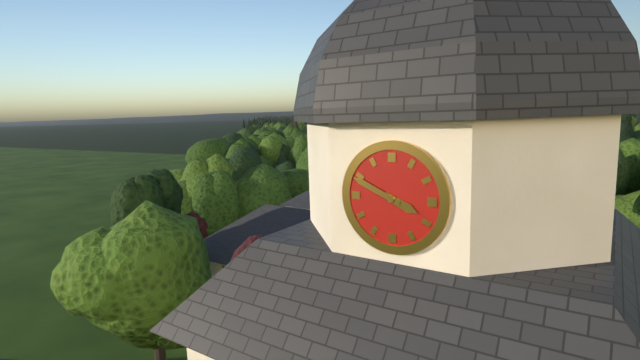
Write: 3,49
